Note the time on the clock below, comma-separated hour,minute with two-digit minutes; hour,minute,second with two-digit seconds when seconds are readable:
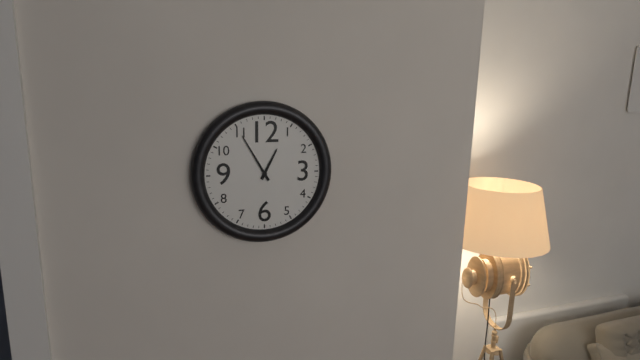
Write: 12,55
